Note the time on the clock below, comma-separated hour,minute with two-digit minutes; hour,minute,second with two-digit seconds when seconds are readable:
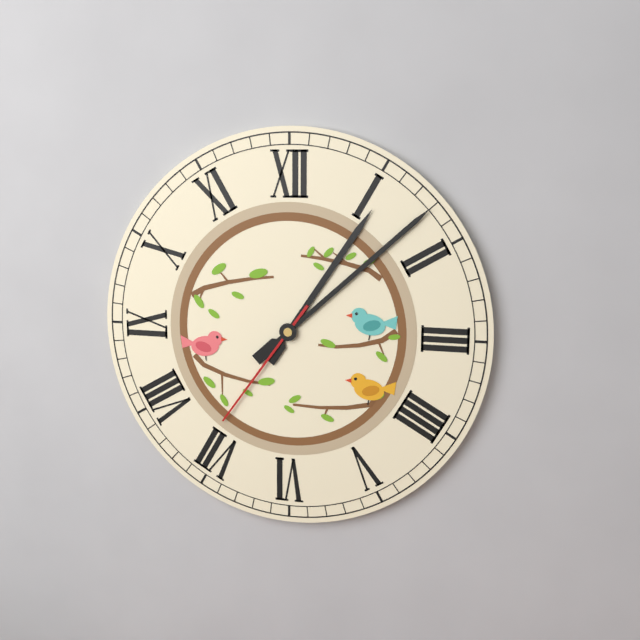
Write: 1,08,36
